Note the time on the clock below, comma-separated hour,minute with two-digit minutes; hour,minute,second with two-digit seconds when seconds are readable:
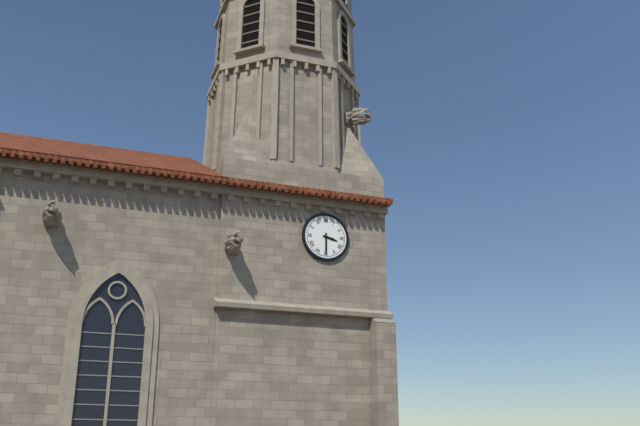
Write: 3,30
